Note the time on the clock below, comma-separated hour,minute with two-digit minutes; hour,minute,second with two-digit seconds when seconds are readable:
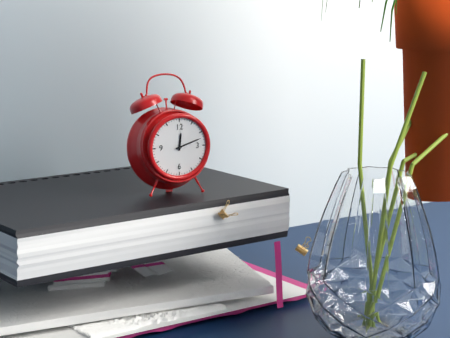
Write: 12,12
